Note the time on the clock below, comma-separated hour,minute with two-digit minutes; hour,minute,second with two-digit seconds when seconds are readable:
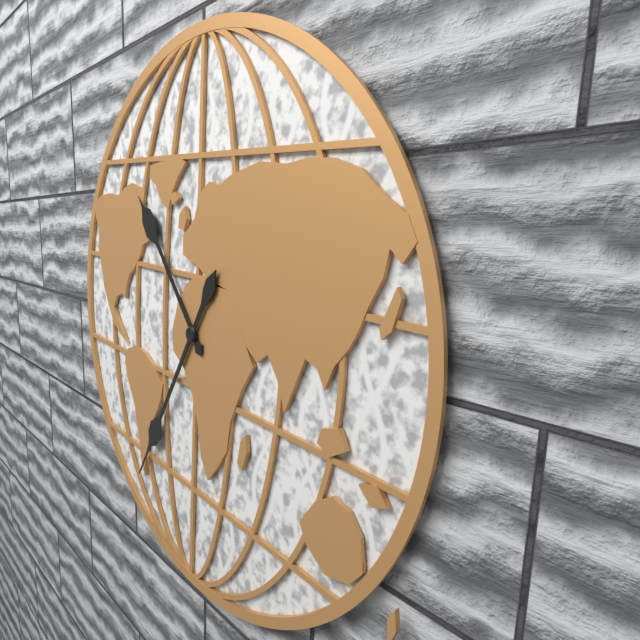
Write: 10,35
